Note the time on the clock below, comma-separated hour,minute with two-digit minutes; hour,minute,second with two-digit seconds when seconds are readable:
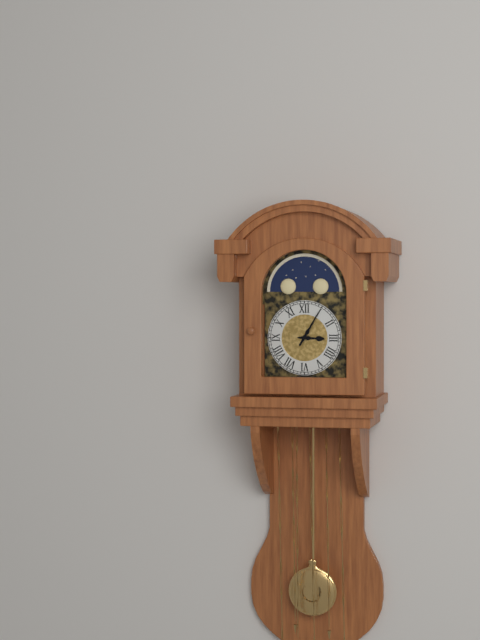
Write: 3,05
